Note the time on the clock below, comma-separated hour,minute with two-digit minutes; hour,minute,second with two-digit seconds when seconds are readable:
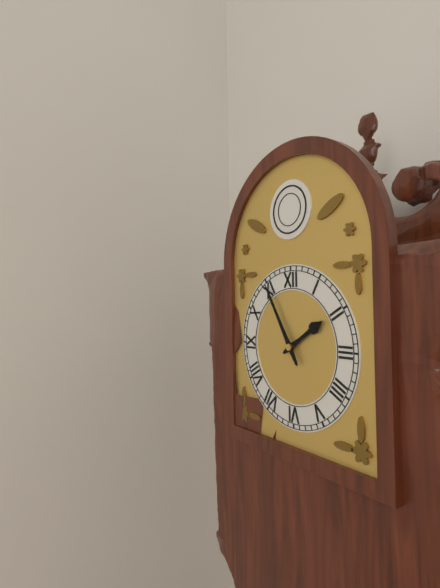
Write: 1,55
